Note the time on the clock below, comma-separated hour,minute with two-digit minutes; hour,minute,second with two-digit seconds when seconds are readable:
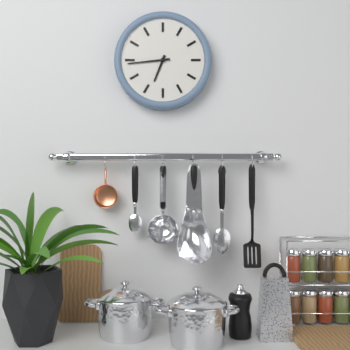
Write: 6,44
